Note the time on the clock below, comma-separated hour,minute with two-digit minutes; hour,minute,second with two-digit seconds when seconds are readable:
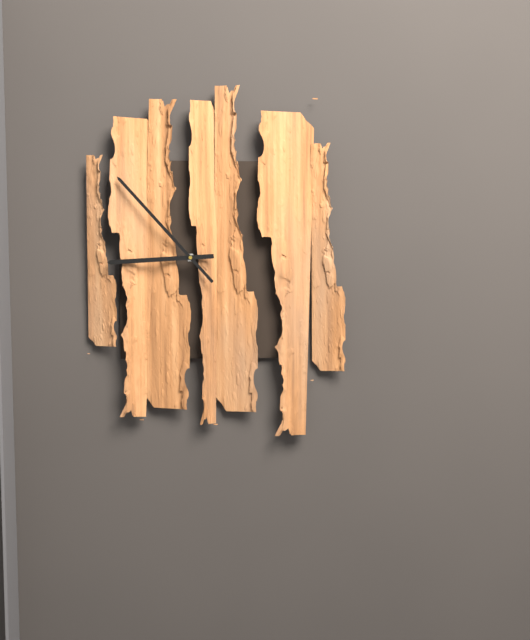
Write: 8,53
